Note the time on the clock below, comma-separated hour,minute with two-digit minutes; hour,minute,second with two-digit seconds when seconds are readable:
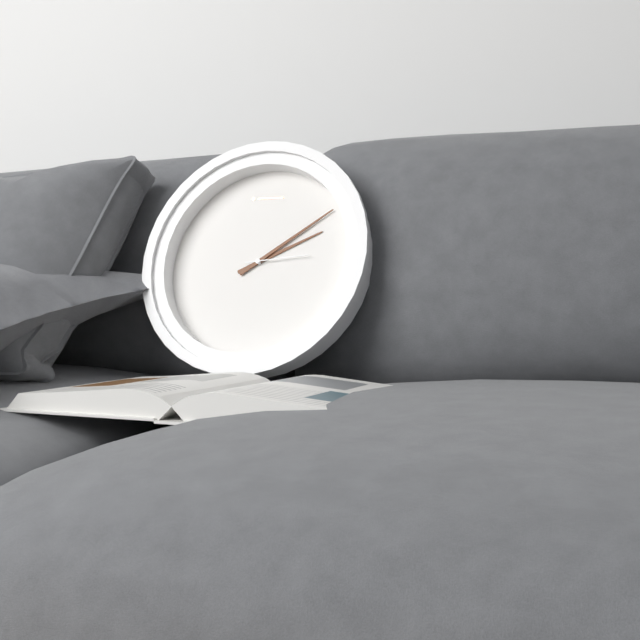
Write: 2,09,14
